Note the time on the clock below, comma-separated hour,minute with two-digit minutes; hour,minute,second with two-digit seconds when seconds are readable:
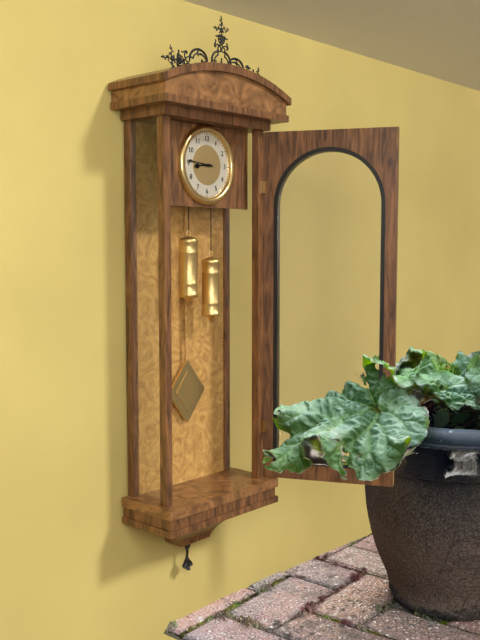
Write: 8,46
